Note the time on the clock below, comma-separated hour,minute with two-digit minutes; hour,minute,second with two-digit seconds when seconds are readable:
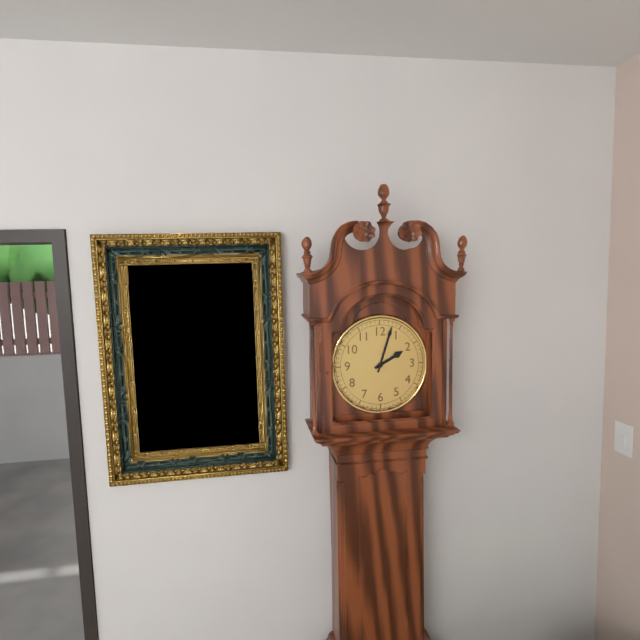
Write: 2,03
